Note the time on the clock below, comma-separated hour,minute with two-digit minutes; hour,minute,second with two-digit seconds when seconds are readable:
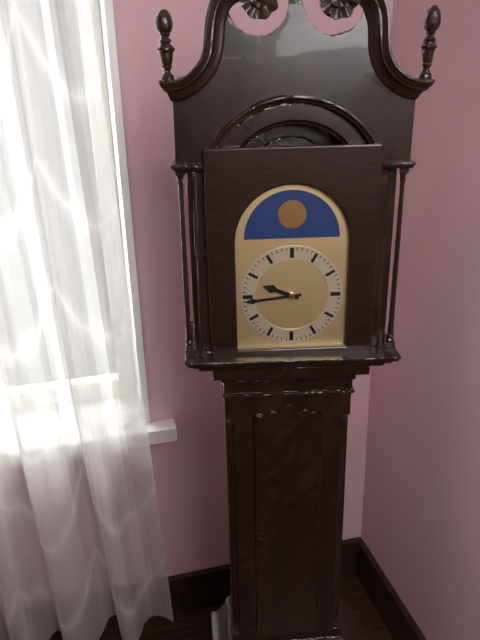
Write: 9,44
